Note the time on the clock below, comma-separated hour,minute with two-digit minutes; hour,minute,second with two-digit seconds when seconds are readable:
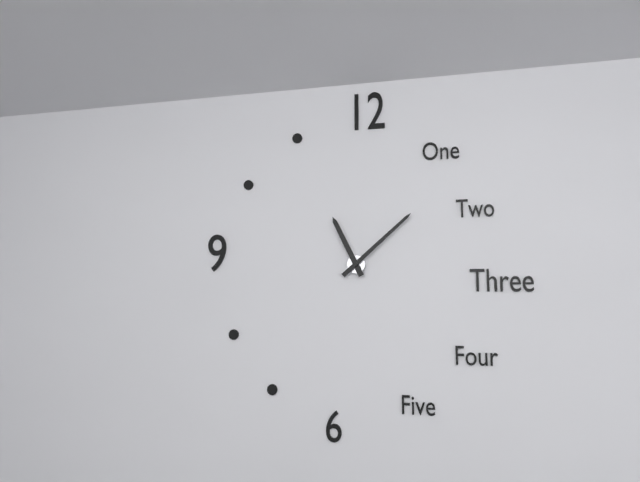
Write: 11,08
